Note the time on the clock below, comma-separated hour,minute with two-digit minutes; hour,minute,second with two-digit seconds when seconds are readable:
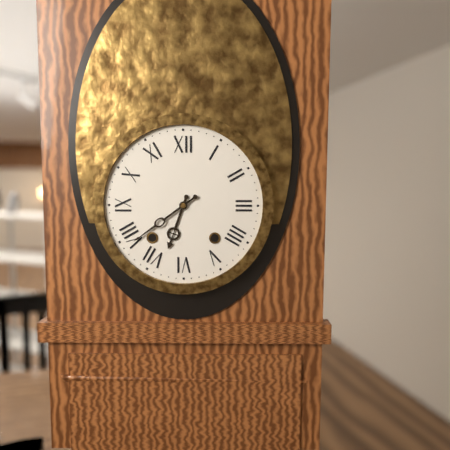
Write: 6,39
